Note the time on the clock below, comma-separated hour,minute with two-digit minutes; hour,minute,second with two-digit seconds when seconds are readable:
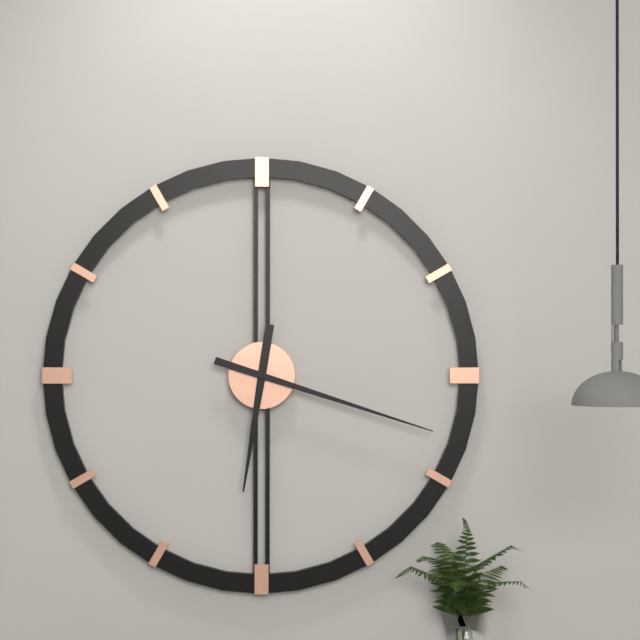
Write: 6,18
